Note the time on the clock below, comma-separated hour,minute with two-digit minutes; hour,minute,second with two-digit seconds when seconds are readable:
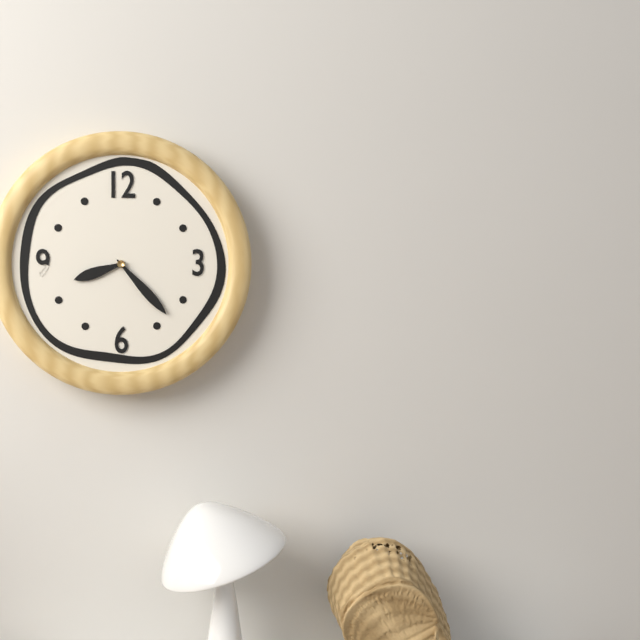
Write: 8,23
